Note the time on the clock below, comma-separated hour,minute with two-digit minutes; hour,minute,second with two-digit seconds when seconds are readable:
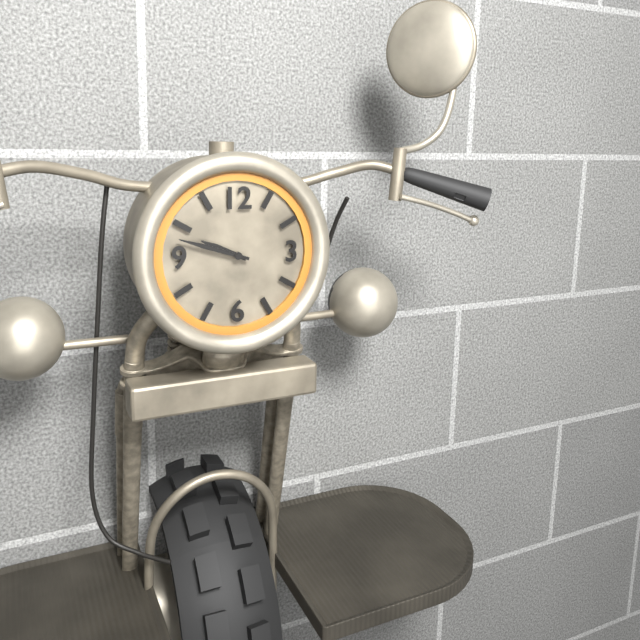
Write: 9,48
